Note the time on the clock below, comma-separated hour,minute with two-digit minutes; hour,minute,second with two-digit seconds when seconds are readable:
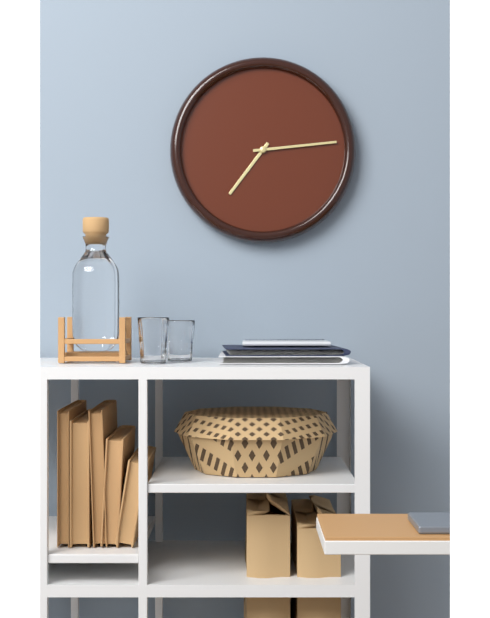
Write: 7,14
